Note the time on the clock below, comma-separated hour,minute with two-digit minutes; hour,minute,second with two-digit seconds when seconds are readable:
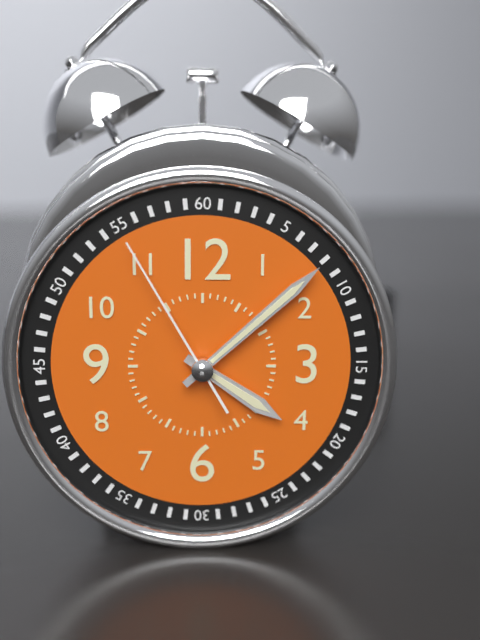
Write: 4,08,55
